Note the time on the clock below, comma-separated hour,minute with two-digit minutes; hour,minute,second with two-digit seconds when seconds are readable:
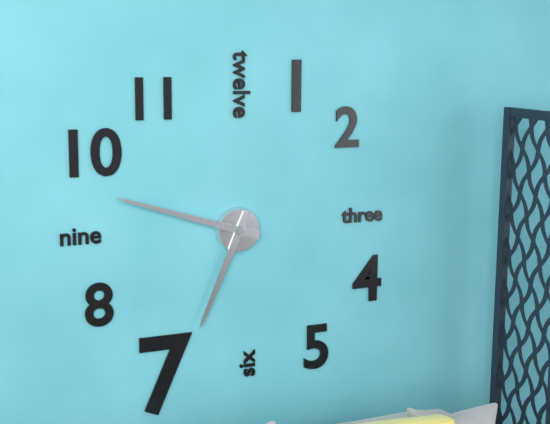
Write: 6,48
